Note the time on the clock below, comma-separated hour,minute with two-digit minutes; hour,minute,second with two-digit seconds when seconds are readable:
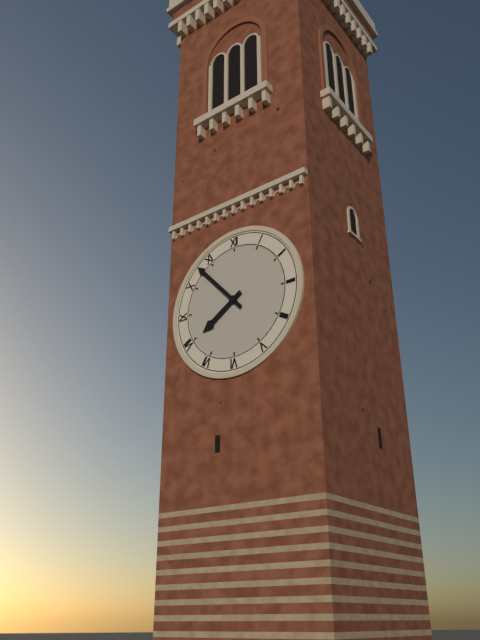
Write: 7,53
